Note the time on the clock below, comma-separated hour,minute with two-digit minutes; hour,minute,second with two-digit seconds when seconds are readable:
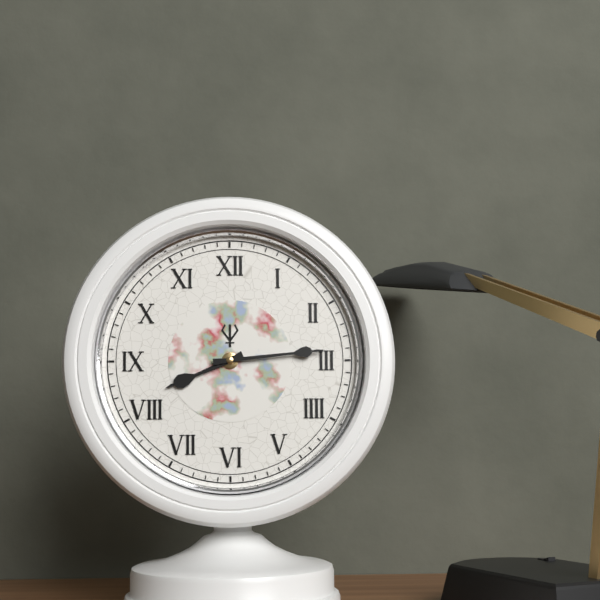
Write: 8,14
